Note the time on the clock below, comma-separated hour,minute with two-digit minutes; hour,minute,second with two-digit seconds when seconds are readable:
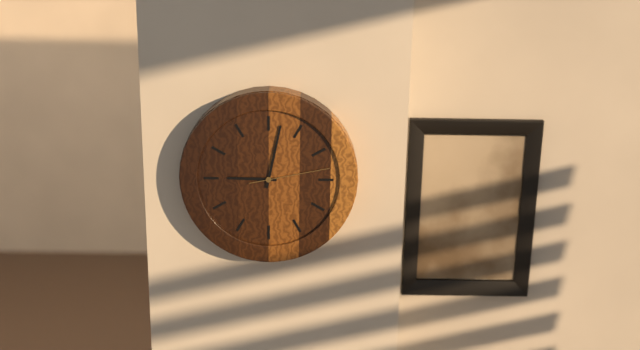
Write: 9,02,13
